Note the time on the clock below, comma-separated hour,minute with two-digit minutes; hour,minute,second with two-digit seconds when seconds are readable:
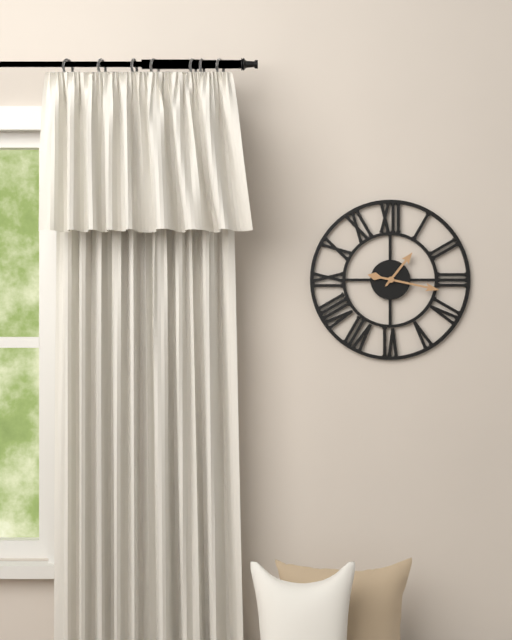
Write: 1,17
